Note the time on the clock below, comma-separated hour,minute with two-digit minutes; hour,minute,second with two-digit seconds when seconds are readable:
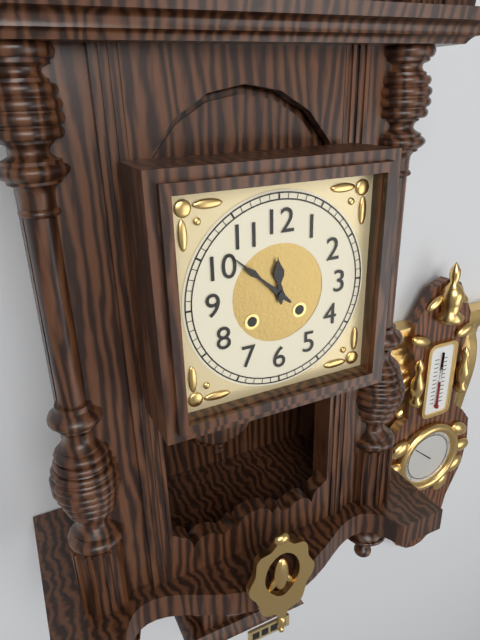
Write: 11,52
